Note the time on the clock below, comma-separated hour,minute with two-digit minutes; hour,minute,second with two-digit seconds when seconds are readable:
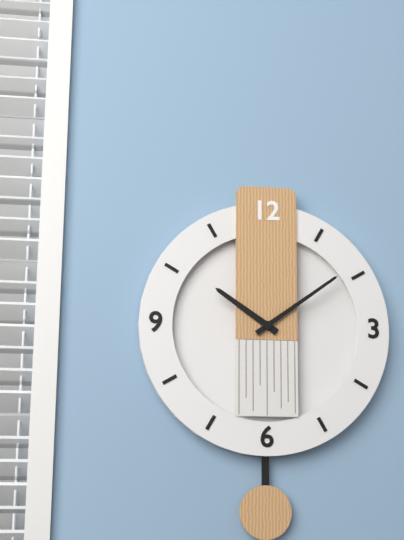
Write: 10,09
